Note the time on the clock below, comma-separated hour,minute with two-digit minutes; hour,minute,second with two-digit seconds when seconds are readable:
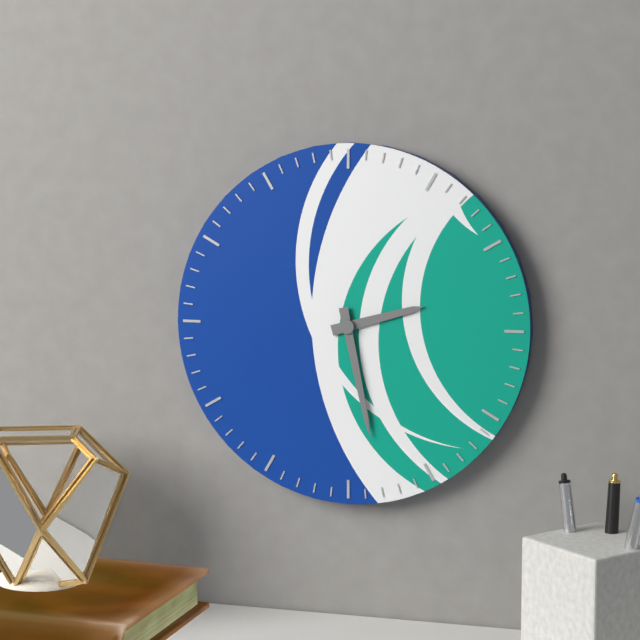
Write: 2,28
